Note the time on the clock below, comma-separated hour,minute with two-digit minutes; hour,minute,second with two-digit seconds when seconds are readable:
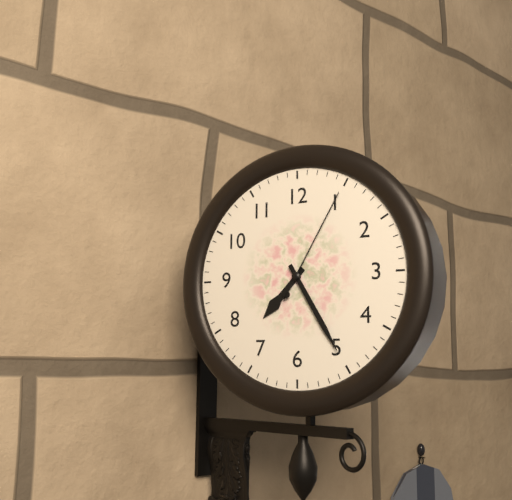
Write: 7,25,05
